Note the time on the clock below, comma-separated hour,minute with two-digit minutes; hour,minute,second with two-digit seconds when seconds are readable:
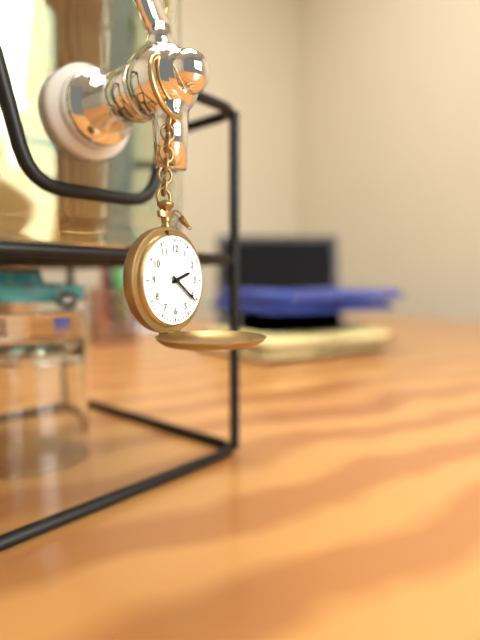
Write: 2,21
